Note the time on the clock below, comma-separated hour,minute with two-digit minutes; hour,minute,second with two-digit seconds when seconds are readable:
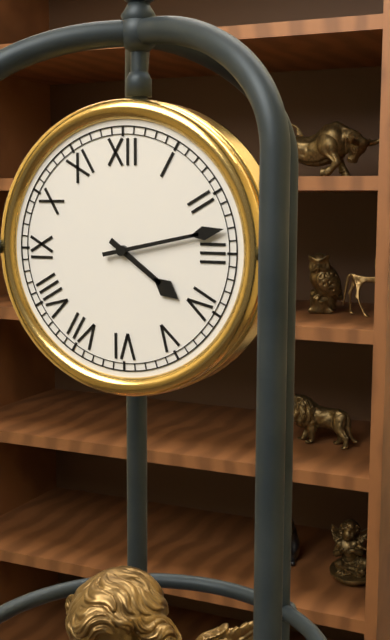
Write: 4,13
